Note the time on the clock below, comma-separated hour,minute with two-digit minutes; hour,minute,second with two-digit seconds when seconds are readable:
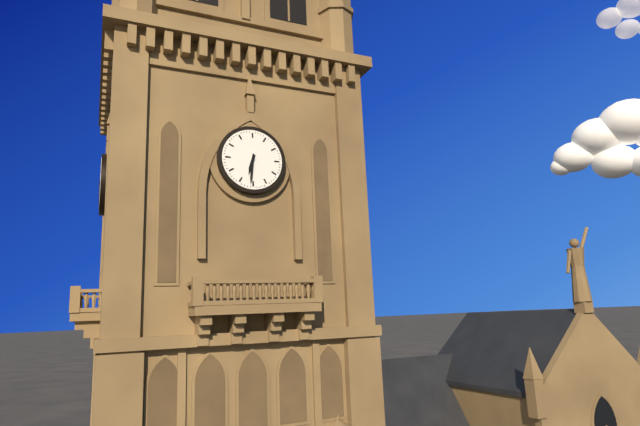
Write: 6,31
